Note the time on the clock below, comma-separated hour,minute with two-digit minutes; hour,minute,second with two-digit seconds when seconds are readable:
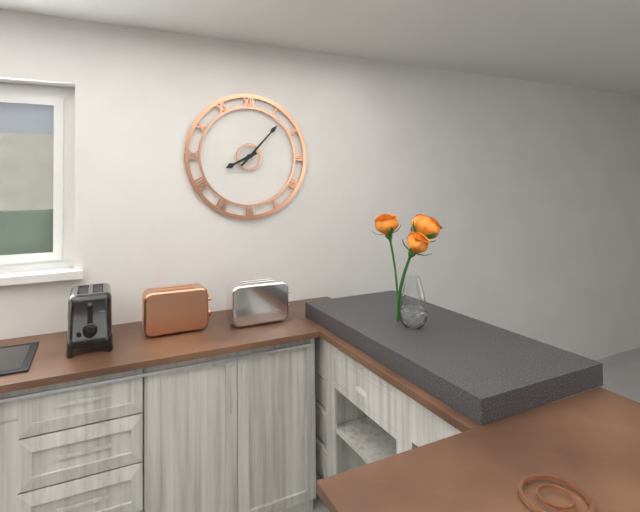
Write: 8,07
